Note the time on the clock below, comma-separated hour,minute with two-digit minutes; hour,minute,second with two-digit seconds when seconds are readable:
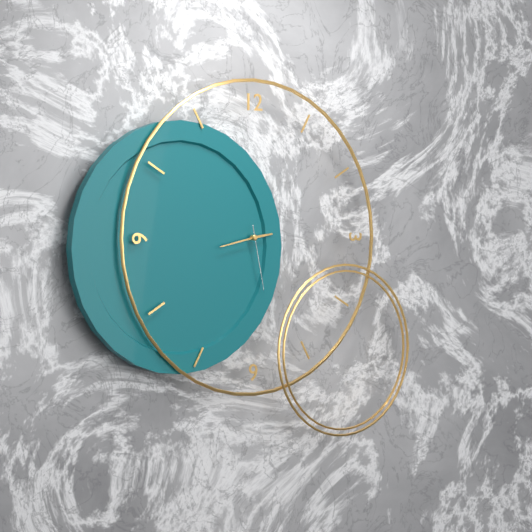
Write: 2,43,28
